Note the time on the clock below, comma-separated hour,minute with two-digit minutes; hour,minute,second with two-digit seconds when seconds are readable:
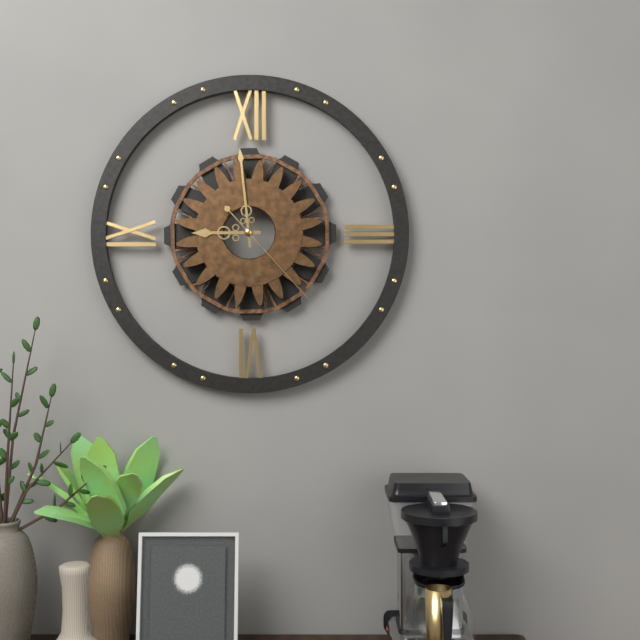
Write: 8,59,23
